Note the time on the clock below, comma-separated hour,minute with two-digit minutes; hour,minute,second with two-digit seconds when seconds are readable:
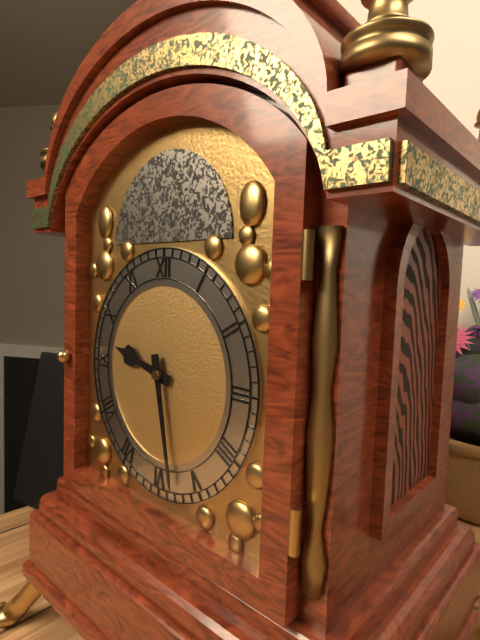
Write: 9,28
